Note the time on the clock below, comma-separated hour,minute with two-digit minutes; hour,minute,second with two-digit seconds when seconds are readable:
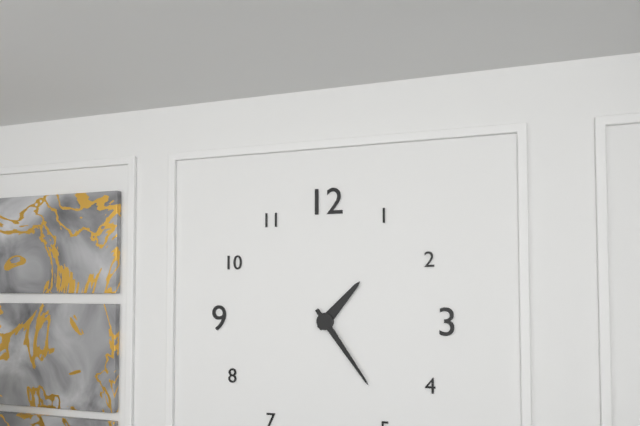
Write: 1,24
